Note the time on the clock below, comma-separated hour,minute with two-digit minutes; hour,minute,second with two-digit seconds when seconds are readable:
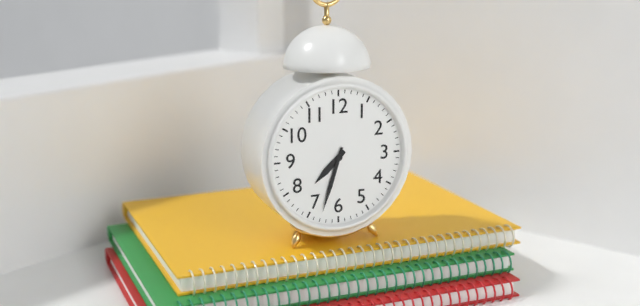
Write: 7,33
